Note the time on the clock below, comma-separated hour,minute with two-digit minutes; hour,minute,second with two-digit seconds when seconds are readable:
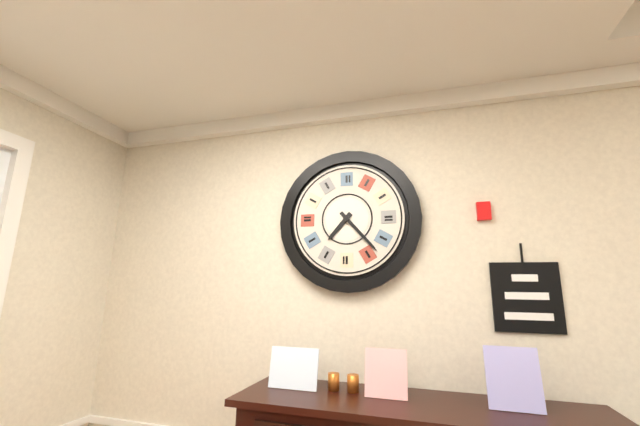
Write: 7,23
